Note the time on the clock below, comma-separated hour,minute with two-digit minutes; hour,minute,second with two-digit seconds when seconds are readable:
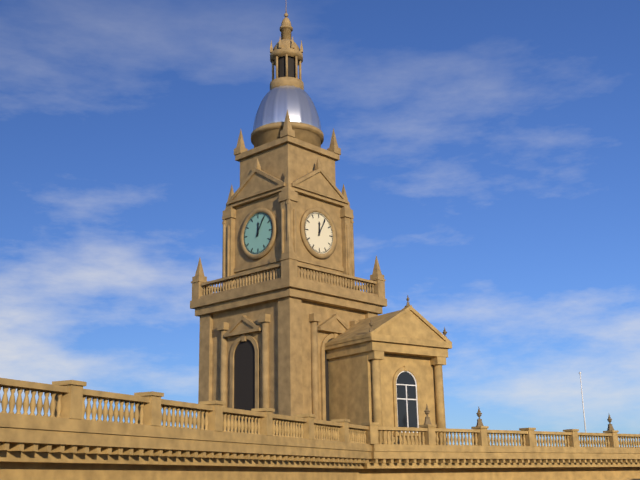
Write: 12,05
